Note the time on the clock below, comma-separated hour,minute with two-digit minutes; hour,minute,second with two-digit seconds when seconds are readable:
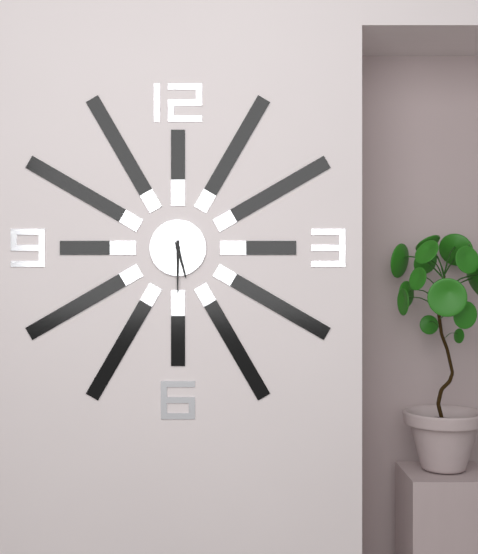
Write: 5,30
